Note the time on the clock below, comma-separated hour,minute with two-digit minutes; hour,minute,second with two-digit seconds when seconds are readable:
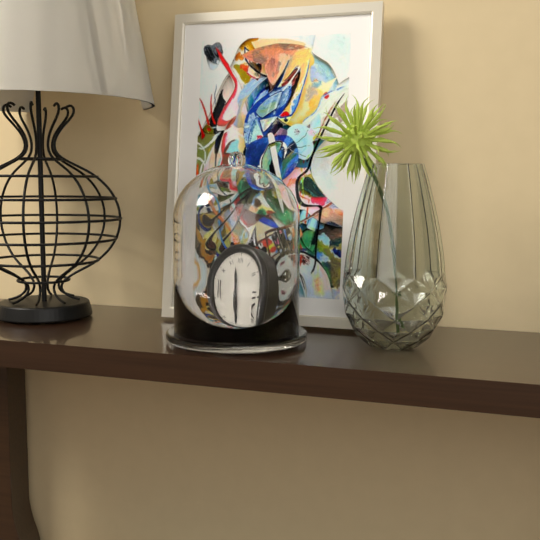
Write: 11,32
